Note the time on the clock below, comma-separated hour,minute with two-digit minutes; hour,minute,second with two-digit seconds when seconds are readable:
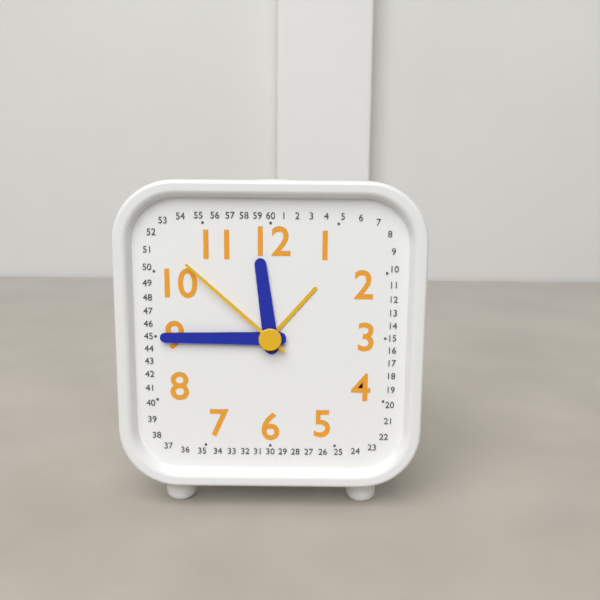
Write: 11,45,52
